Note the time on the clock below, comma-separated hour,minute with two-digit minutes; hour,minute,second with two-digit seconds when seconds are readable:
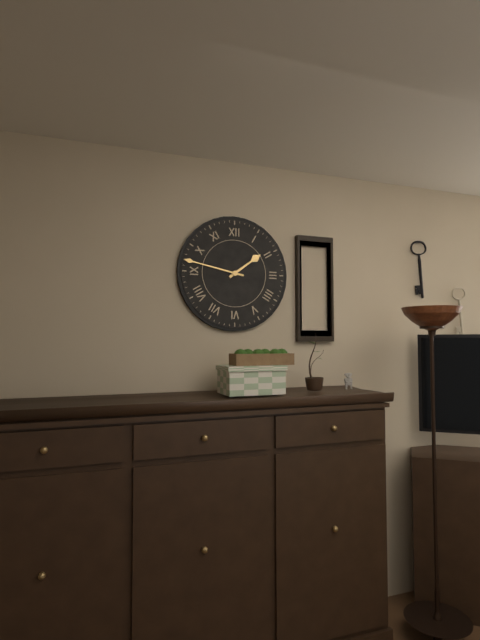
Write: 1,47
